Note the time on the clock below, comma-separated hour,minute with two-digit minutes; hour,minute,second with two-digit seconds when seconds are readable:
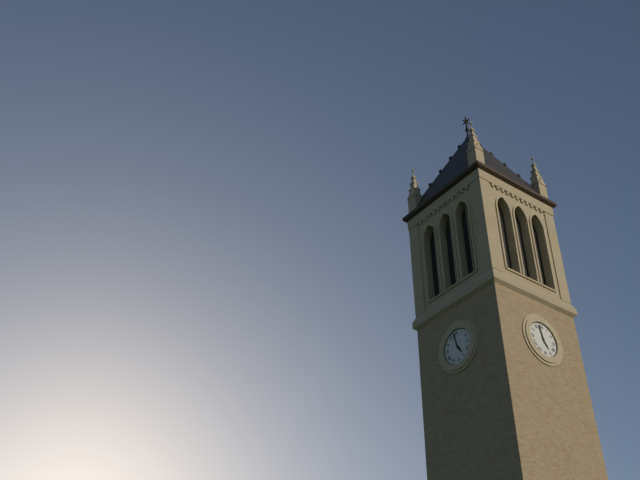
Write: 4,58
